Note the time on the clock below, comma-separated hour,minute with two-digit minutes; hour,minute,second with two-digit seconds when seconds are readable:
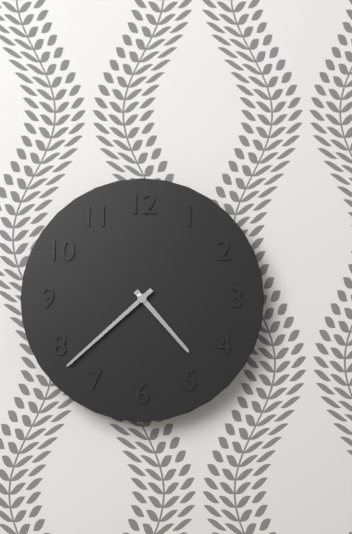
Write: 4,38
